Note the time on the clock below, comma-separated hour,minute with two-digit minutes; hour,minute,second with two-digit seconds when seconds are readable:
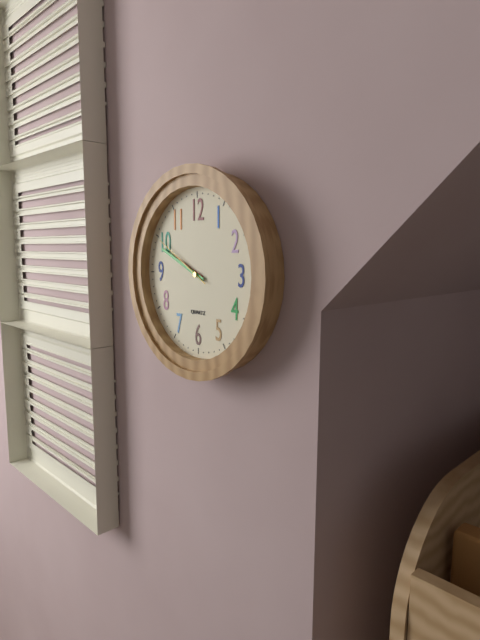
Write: 9,49,50
